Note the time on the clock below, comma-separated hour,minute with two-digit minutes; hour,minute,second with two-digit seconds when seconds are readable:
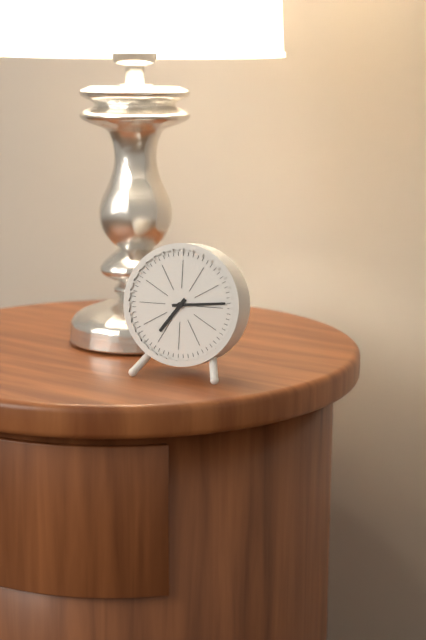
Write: 7,14
